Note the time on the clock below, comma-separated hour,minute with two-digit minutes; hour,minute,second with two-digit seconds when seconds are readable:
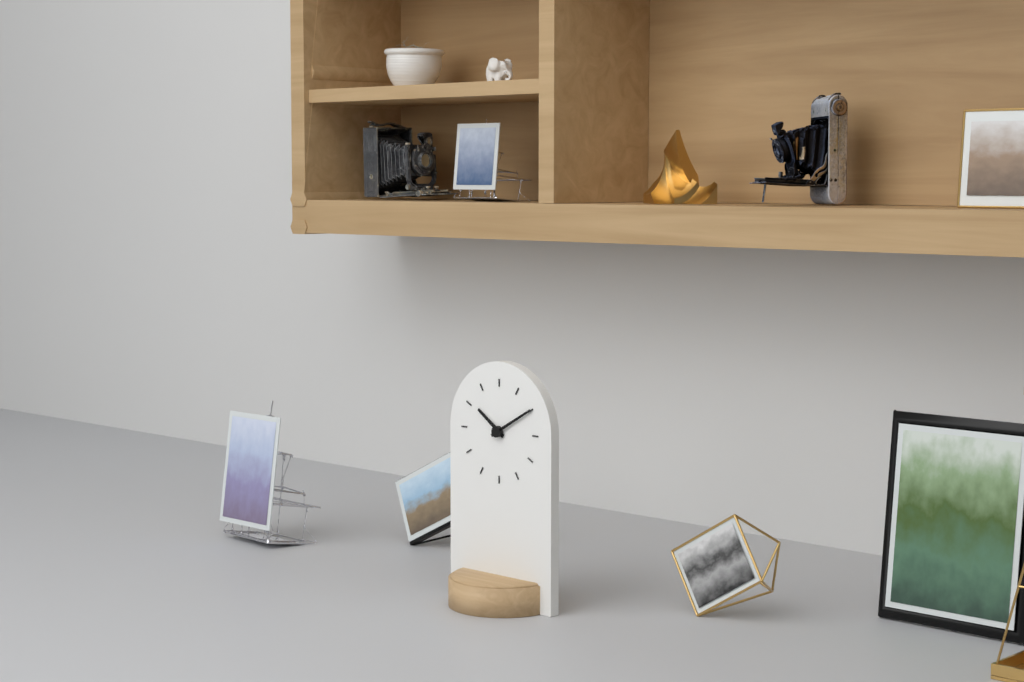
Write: 10,10
